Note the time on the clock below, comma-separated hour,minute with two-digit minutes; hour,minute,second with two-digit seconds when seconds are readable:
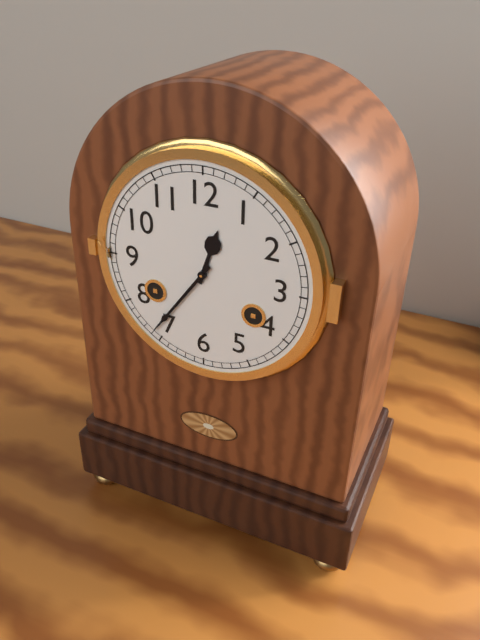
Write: 12,36
